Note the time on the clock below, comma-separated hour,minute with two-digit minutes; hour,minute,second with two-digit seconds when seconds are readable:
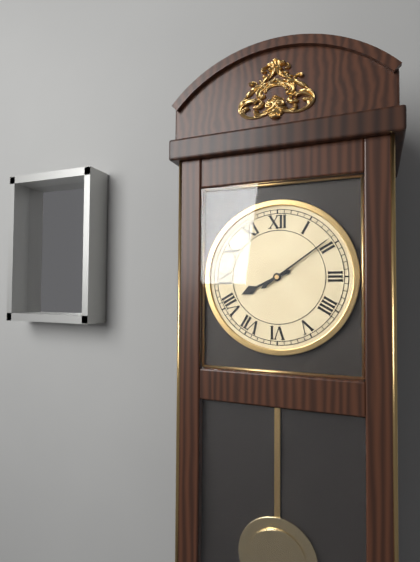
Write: 8,09
